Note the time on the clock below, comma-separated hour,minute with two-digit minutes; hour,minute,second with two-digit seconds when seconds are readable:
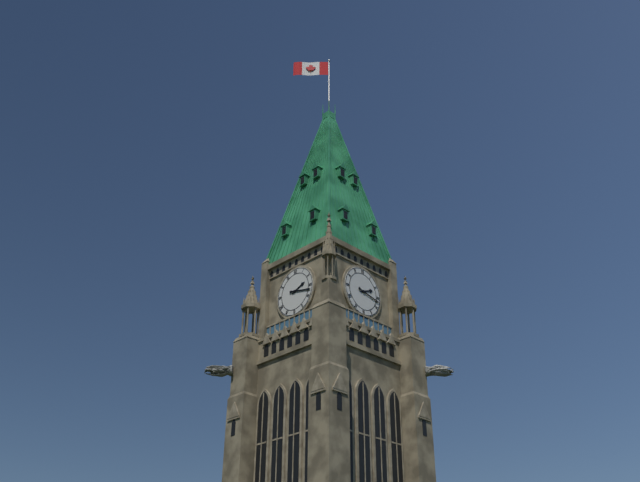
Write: 2,17
